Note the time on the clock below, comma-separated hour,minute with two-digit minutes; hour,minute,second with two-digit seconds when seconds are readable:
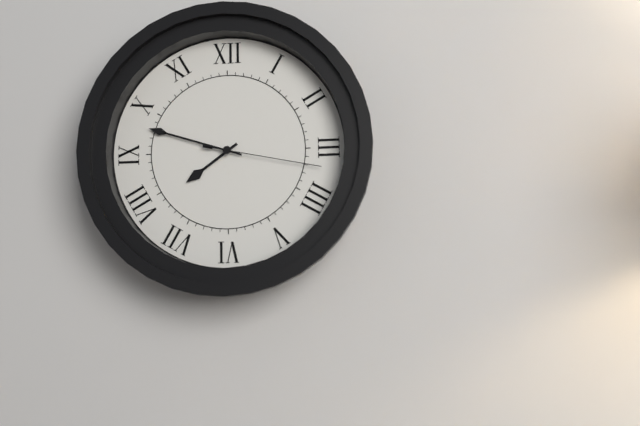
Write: 7,48,17
